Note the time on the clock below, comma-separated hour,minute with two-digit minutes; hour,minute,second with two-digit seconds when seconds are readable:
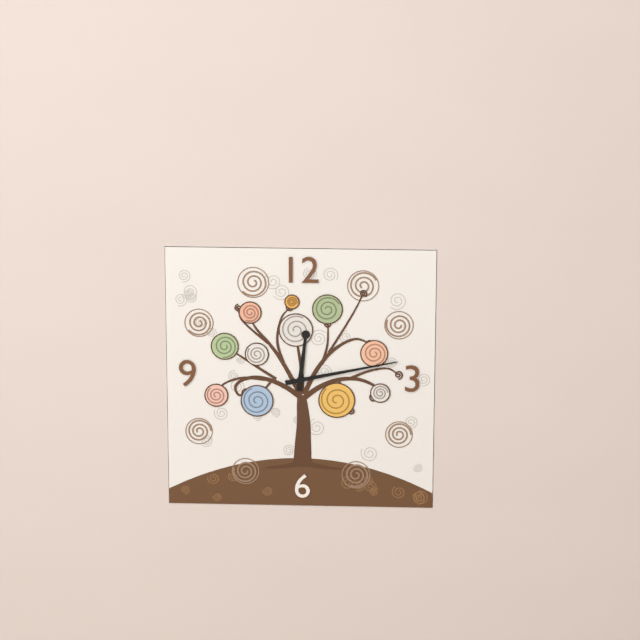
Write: 12,13
